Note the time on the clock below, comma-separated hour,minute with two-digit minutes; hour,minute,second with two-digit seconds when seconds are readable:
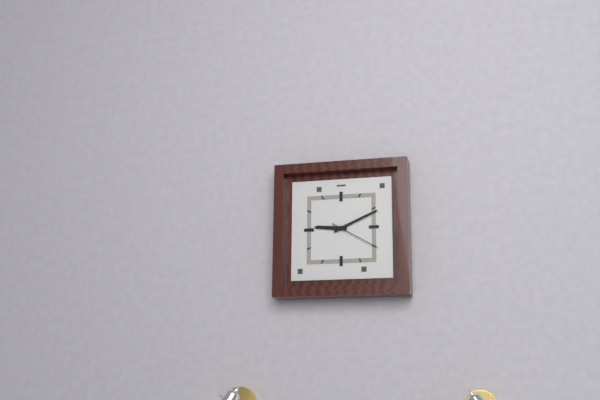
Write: 9,11,20
